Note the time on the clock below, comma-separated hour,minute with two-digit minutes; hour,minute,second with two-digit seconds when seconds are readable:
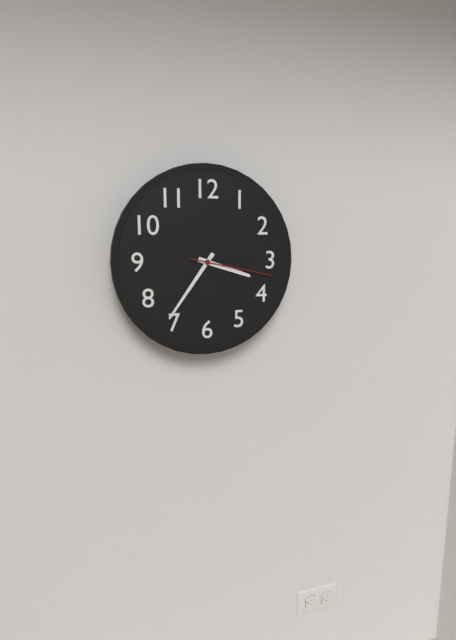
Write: 3,36,17
